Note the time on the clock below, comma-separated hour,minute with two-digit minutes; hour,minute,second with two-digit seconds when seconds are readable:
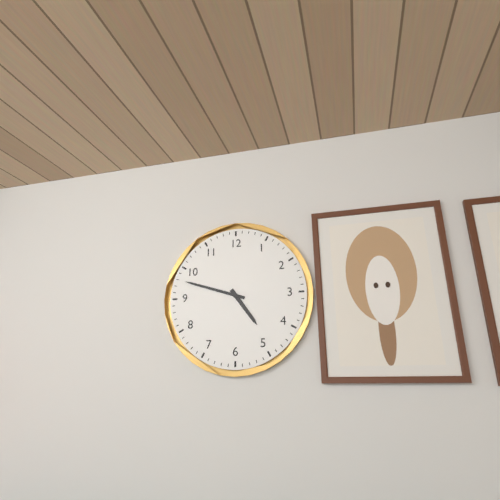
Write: 4,48
